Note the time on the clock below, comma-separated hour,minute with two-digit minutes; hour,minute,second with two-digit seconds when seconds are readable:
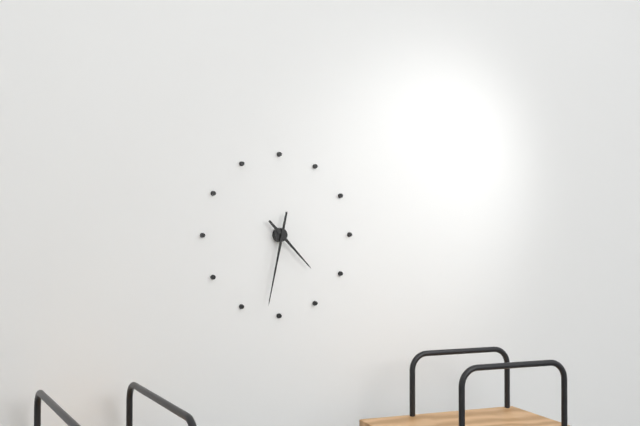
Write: 4,32
